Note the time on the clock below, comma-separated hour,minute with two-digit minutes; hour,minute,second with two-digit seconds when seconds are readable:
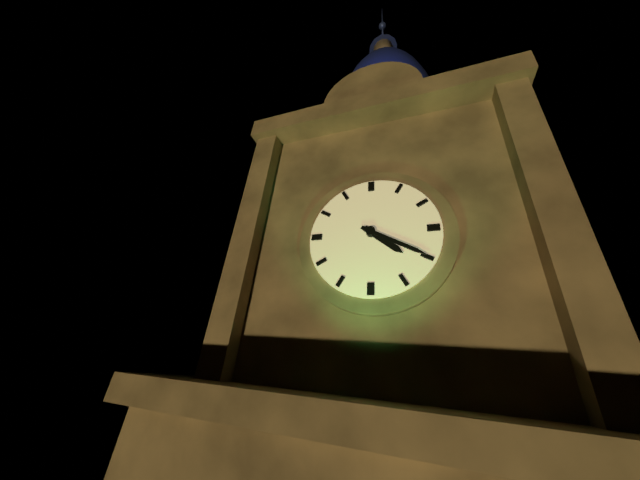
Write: 4,20
